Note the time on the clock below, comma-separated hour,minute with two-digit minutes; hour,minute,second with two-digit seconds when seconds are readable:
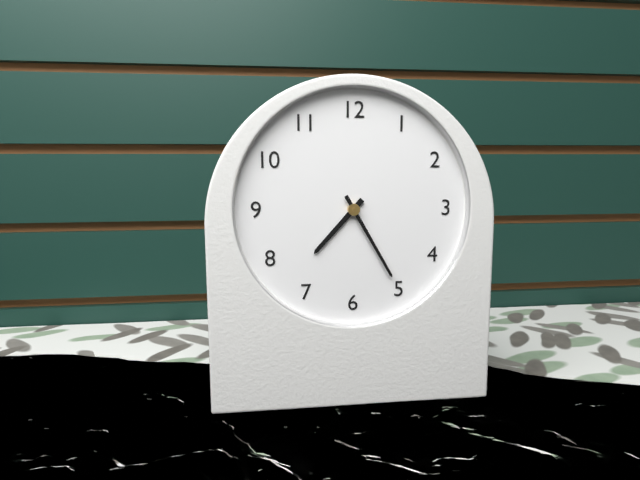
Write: 7,25
